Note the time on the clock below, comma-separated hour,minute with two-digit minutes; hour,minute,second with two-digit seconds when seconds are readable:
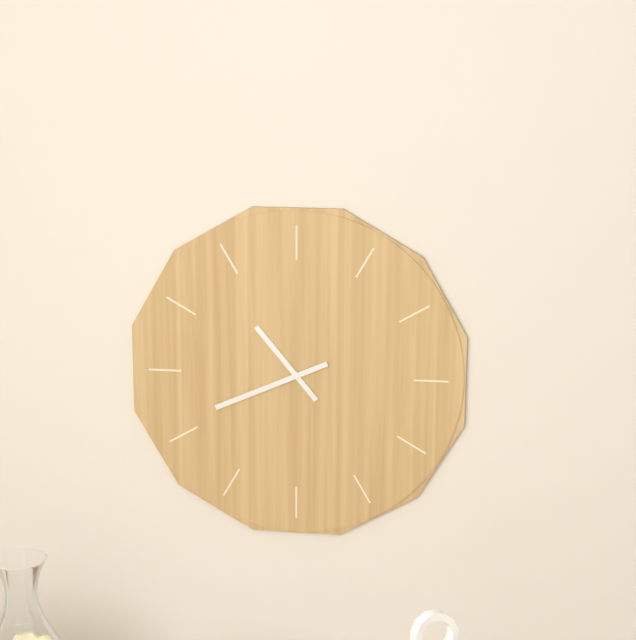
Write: 10,41
